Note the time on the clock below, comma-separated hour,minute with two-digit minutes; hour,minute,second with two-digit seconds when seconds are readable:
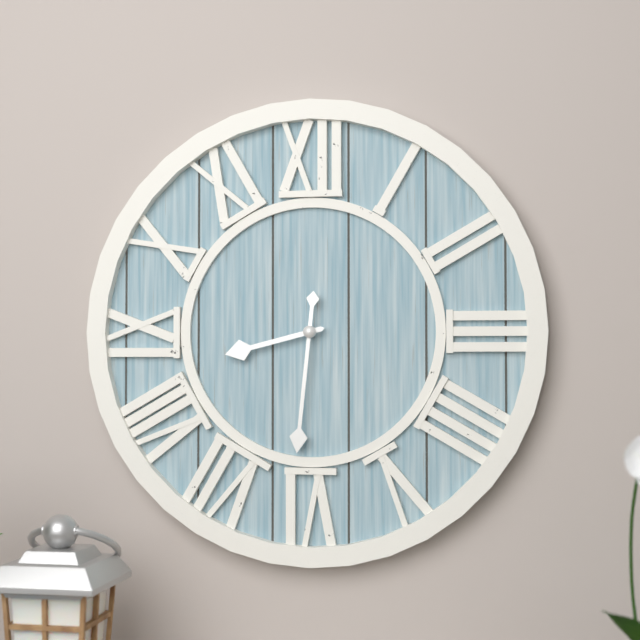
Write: 8,31
